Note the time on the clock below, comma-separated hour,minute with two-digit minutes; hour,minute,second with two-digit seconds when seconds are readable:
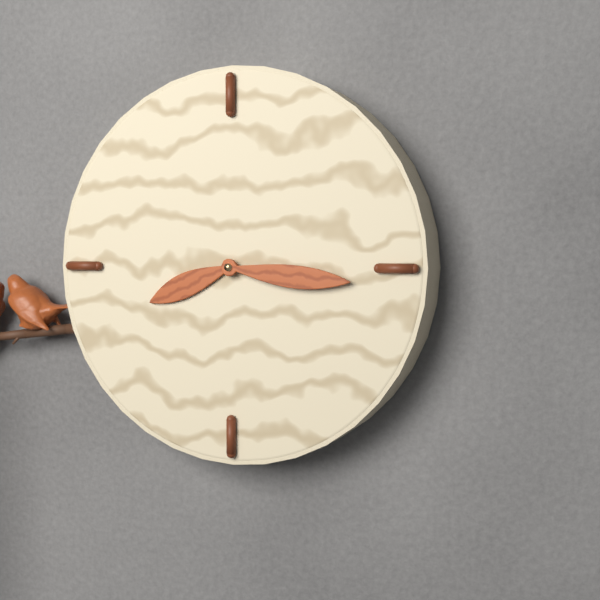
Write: 8,16
